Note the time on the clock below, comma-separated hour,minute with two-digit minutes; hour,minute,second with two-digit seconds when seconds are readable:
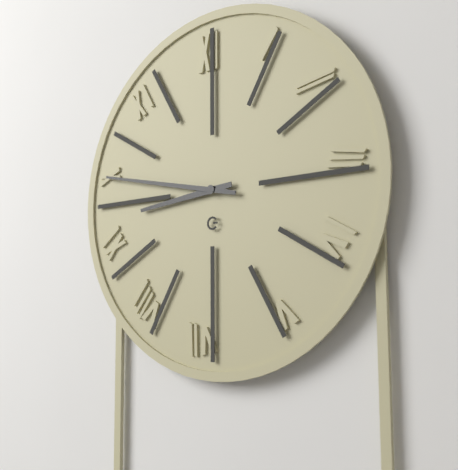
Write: 8,47
